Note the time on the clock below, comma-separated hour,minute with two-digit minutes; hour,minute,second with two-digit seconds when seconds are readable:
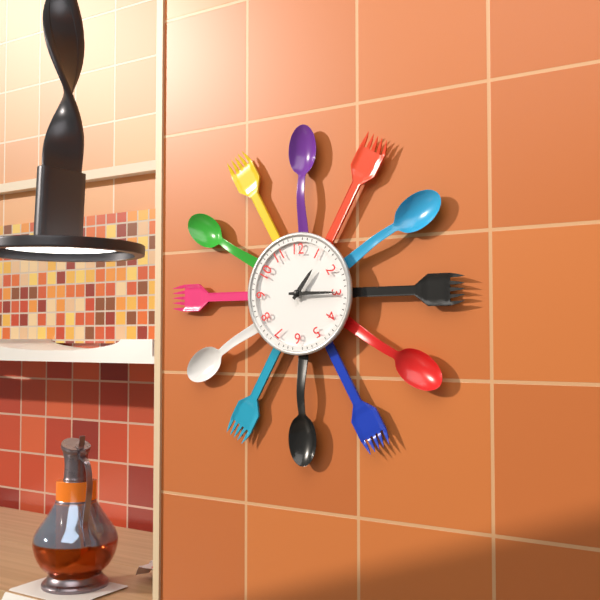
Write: 1,15
